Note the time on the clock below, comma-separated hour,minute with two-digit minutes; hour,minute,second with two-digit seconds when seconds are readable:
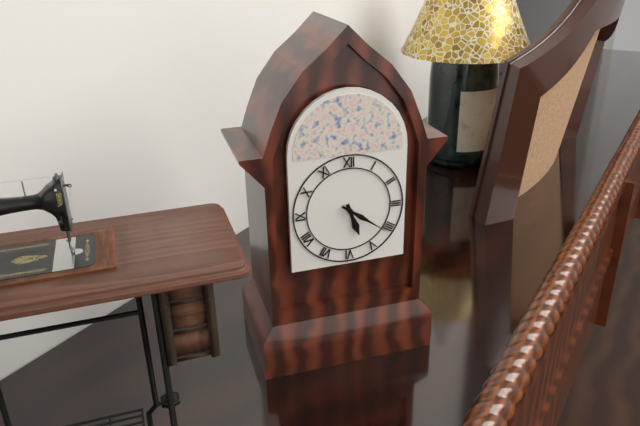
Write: 5,21
